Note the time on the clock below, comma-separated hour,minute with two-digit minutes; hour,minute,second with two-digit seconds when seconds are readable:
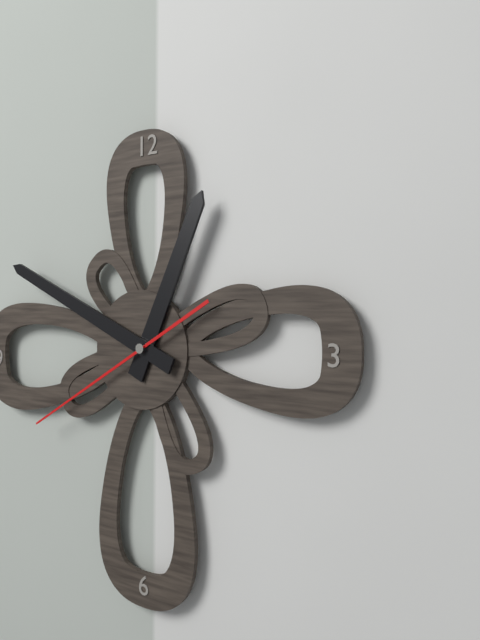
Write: 12,49,40
